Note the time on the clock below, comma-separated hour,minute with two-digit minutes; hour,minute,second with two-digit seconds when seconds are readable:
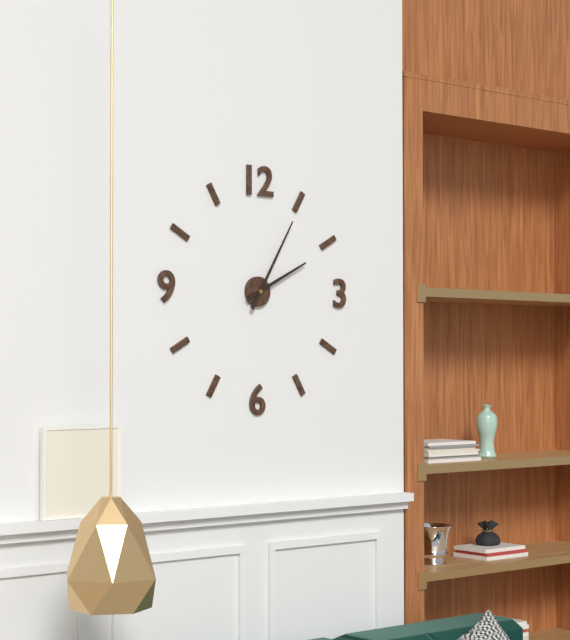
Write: 2,05
